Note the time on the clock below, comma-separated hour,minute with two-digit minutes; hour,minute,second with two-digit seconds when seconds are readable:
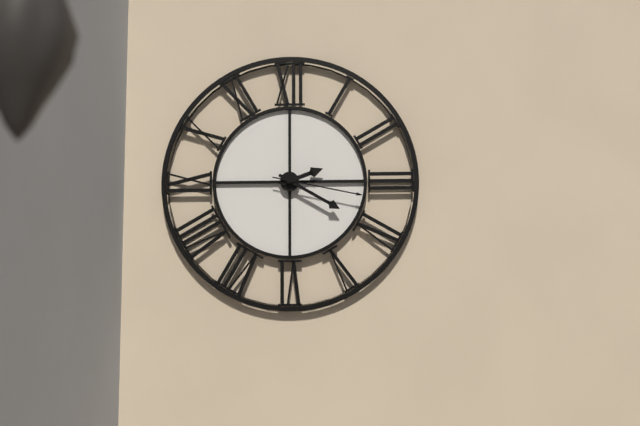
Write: 2,20,17
